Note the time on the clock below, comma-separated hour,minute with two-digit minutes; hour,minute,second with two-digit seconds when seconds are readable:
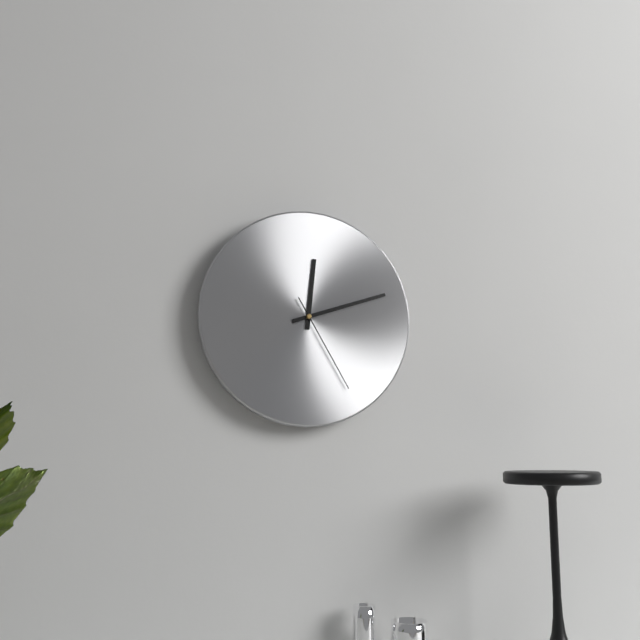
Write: 12,12,25
